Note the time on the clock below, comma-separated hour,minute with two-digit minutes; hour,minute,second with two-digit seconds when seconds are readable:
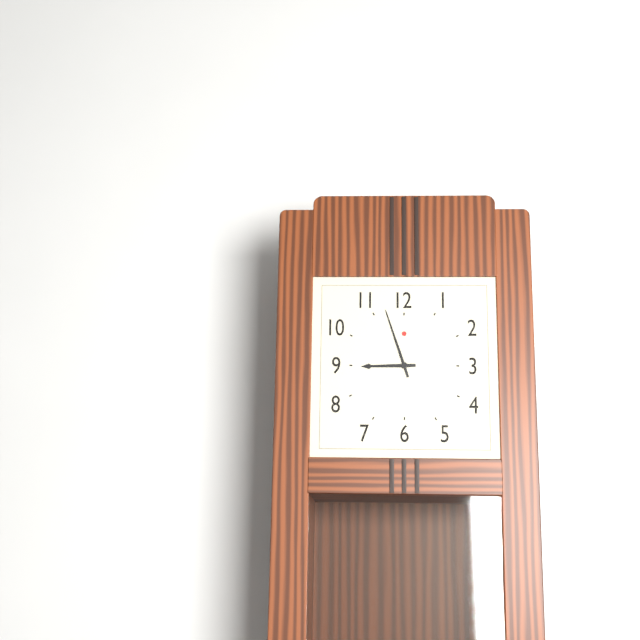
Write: 8,57
